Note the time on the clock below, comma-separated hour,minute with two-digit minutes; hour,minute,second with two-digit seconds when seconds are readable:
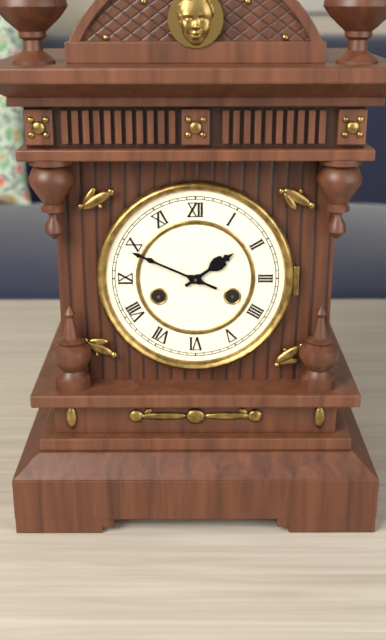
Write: 1,49
